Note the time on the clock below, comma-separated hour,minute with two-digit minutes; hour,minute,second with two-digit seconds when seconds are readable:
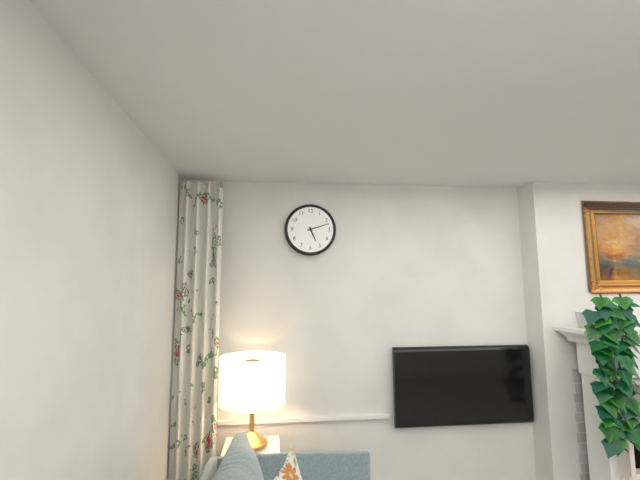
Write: 5,12
